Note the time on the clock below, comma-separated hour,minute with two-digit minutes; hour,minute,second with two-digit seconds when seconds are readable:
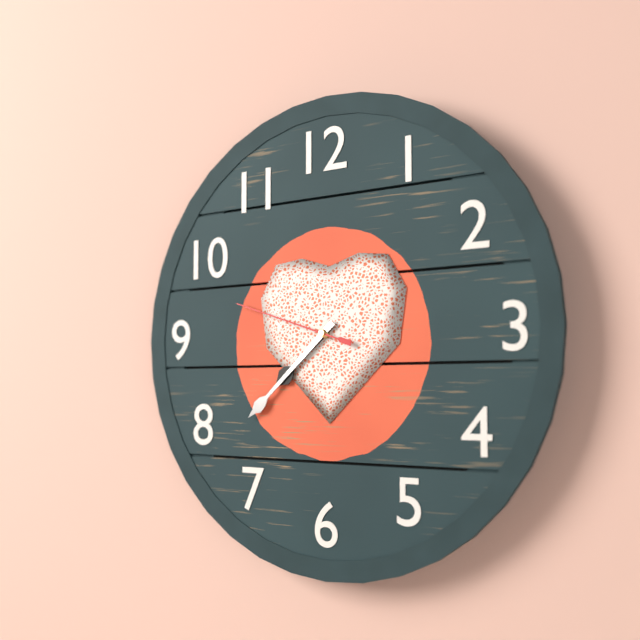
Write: 7,38,48
